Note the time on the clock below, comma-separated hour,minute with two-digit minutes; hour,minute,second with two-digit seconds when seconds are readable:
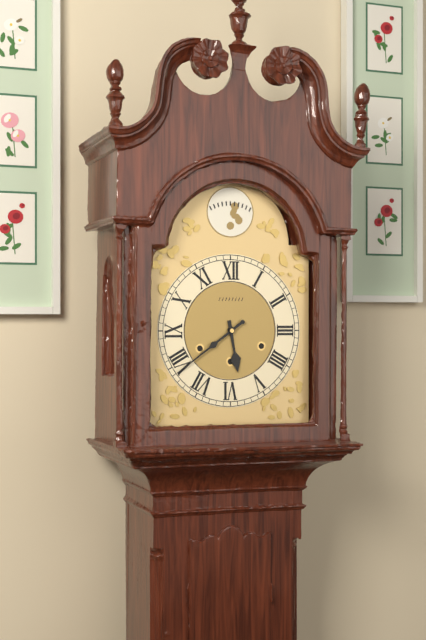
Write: 5,39
